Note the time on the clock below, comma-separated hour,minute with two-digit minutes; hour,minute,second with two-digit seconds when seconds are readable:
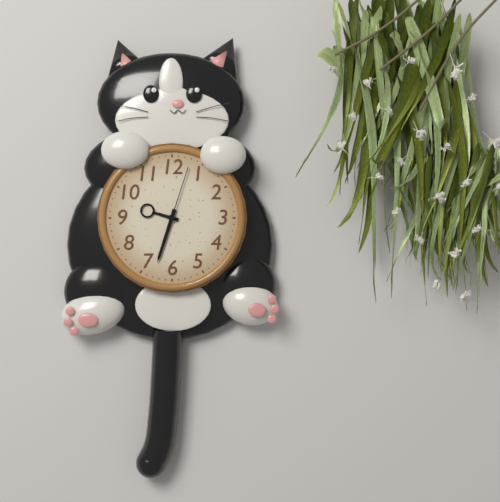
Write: 9,33,03
